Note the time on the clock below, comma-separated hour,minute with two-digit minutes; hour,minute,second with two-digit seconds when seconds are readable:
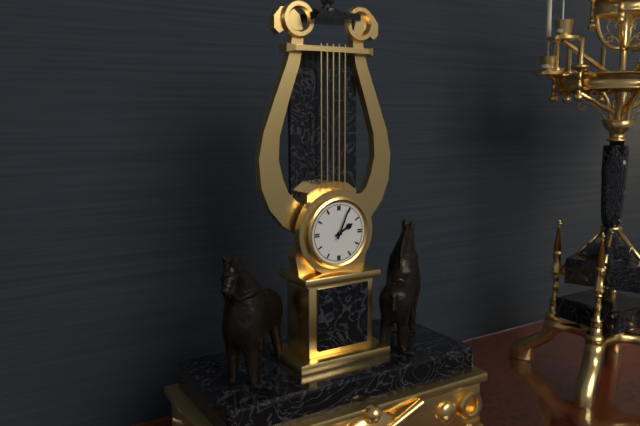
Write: 2,04
